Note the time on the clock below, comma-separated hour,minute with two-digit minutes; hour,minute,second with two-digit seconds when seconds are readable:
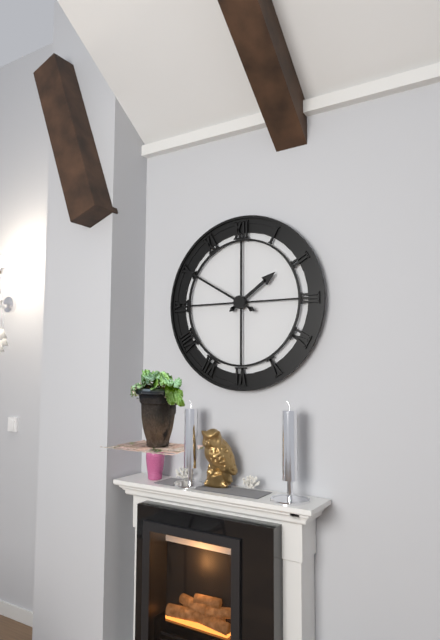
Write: 1,50
